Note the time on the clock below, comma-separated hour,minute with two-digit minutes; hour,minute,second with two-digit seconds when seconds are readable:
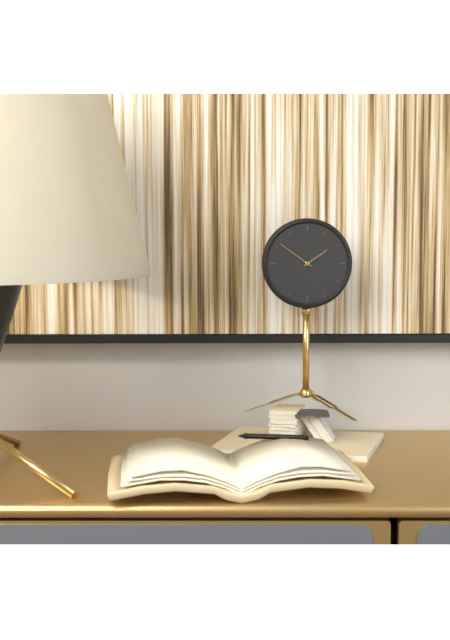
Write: 1,51
